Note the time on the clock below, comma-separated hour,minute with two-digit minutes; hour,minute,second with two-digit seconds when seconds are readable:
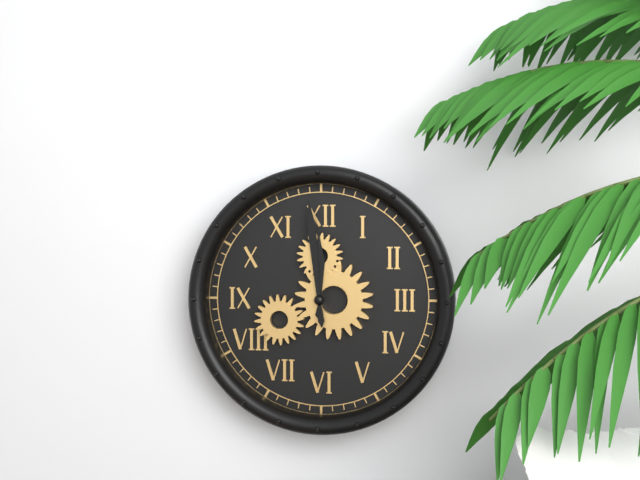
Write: 11,59
